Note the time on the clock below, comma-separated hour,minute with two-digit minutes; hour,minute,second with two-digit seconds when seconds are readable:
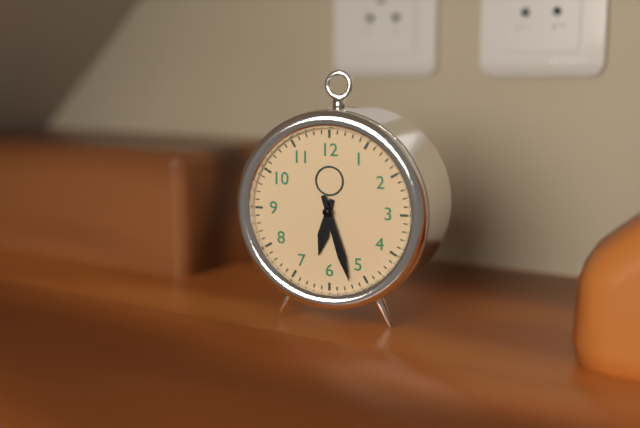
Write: 6,27
